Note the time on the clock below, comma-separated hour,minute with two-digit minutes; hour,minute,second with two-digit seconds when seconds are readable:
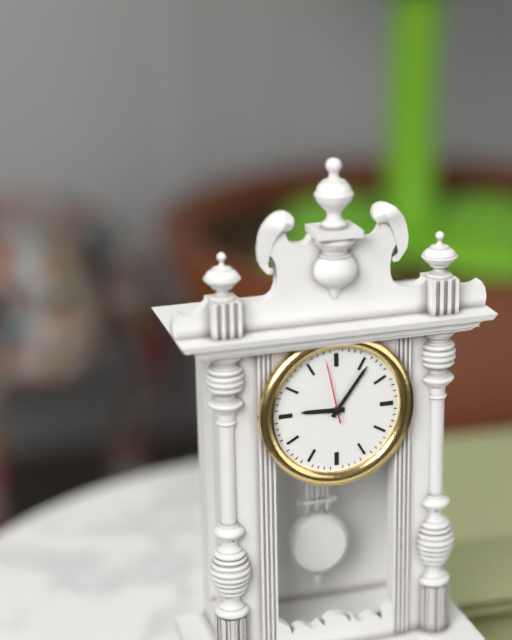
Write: 9,06,58
